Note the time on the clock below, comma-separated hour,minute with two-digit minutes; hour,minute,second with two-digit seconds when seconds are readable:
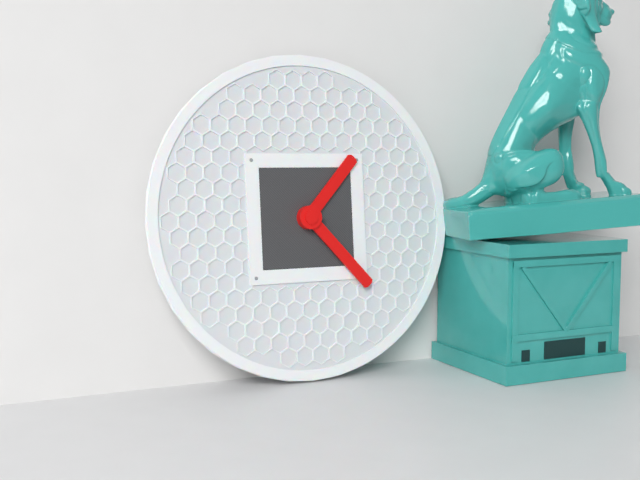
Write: 1,23
